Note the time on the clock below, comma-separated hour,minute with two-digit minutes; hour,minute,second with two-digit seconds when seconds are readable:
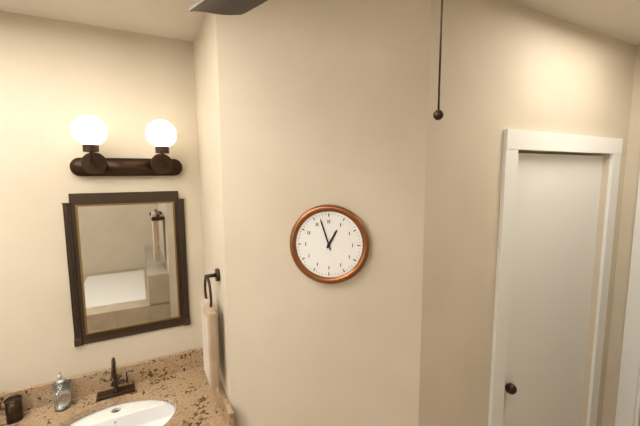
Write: 12,57
